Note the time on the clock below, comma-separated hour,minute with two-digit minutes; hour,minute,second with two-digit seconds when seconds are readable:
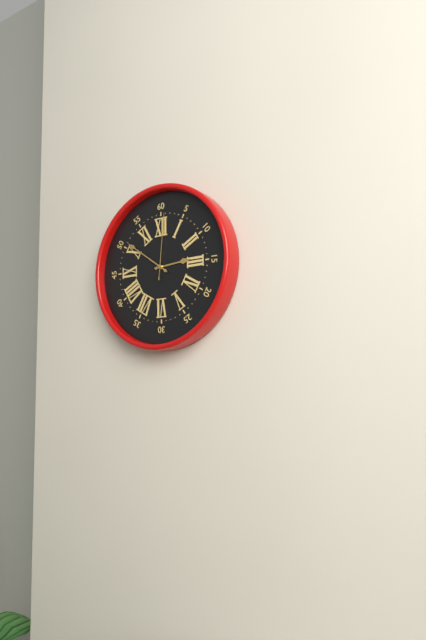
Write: 2,51,01
